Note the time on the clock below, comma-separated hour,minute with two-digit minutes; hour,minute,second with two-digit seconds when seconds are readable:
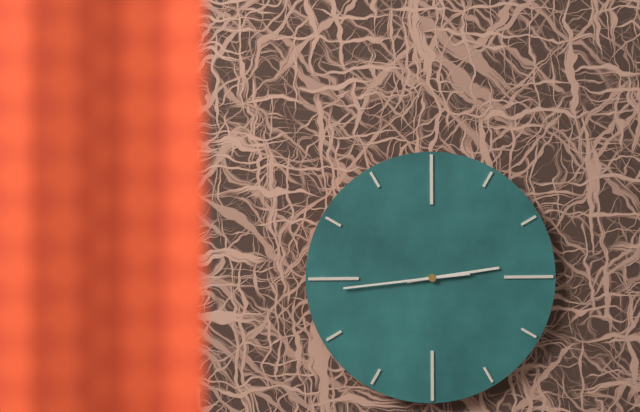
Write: 2,44
